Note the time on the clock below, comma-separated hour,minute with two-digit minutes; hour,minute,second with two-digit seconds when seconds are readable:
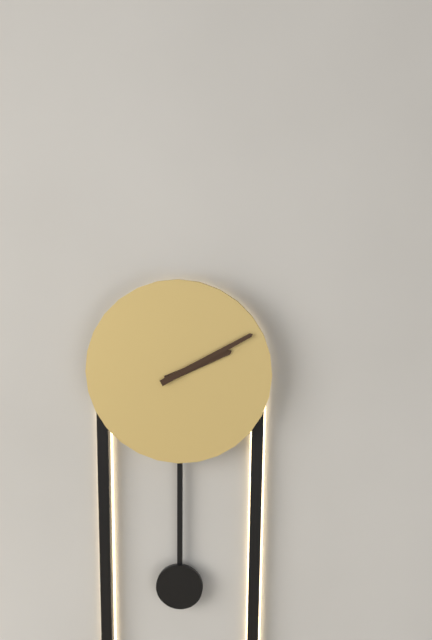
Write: 2,10
